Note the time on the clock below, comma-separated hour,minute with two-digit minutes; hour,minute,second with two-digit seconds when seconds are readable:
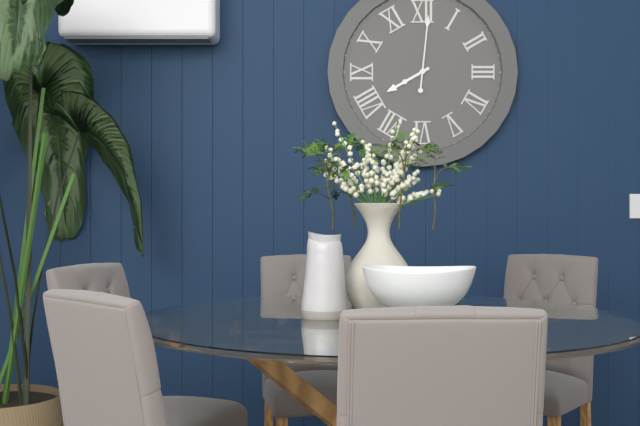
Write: 8,01
